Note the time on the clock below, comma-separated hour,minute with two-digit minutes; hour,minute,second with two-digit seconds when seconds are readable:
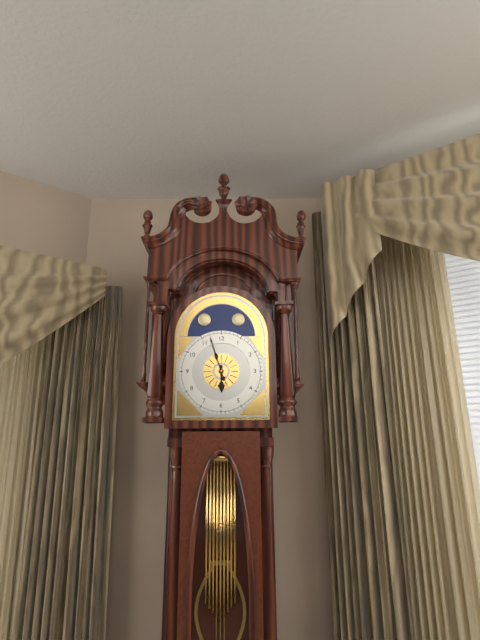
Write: 5,57
